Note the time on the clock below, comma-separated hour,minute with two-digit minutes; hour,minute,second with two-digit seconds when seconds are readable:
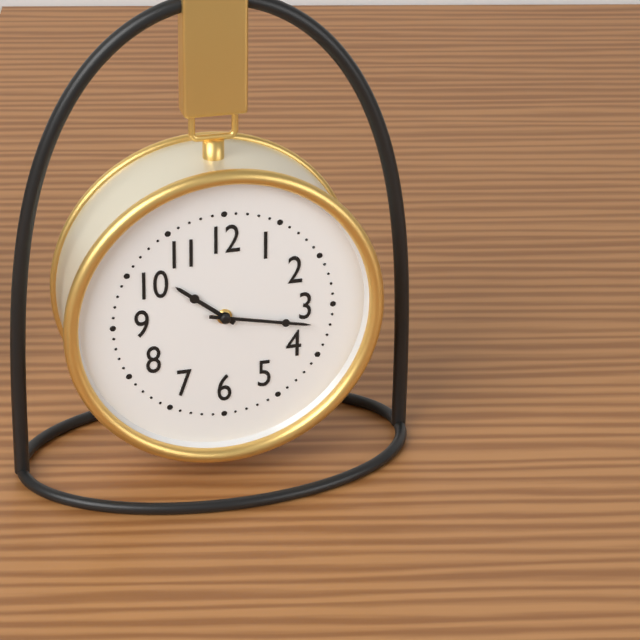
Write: 10,17
